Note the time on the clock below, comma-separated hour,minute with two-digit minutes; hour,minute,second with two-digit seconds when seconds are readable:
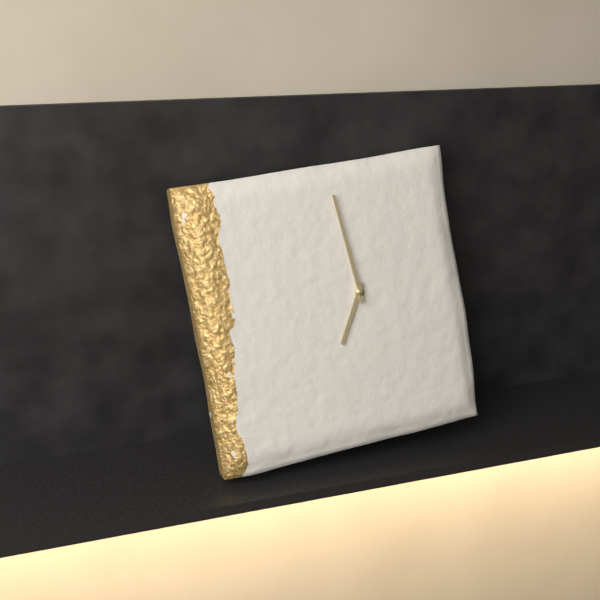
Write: 6,59
